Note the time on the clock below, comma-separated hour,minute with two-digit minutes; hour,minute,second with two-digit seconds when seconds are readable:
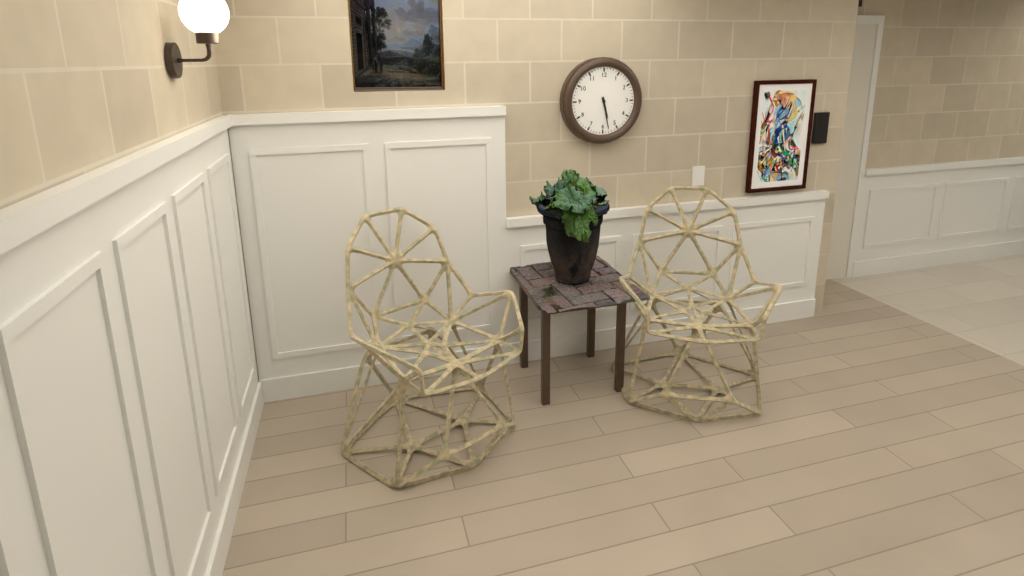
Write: 5,28
